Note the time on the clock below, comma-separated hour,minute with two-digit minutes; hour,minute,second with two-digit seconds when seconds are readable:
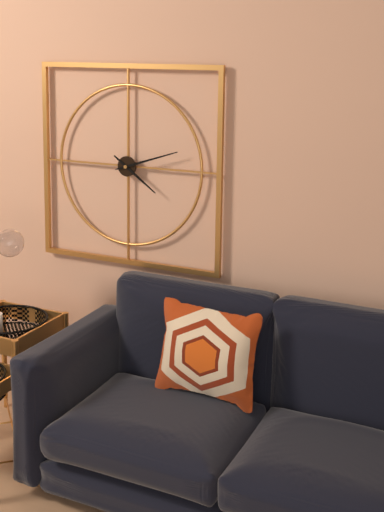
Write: 4,12
